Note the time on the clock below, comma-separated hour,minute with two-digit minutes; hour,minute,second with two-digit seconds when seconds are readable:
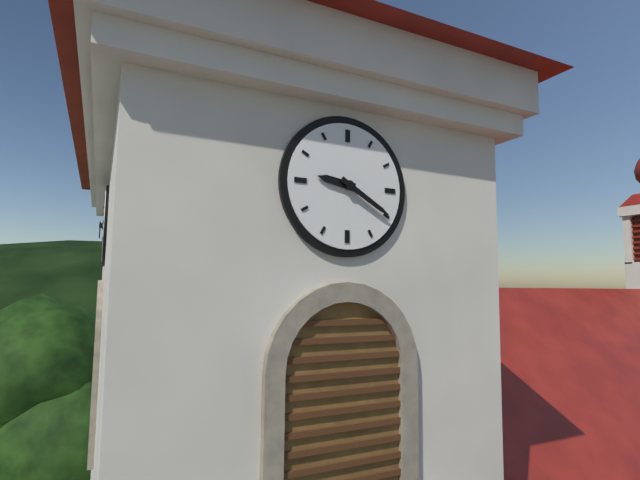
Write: 9,20
